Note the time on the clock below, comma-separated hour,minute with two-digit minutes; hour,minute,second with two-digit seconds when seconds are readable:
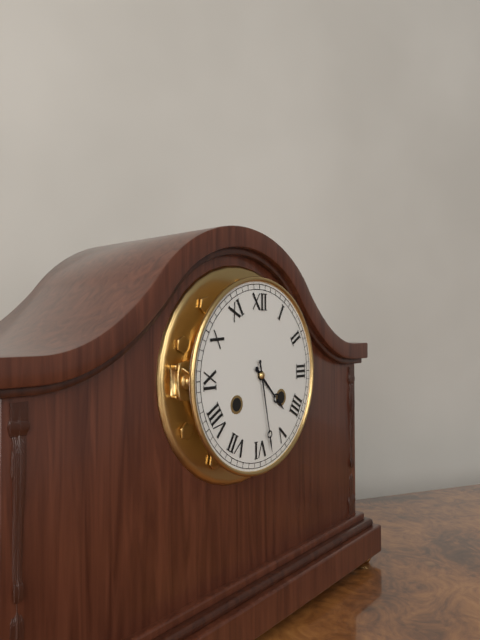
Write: 4,28
